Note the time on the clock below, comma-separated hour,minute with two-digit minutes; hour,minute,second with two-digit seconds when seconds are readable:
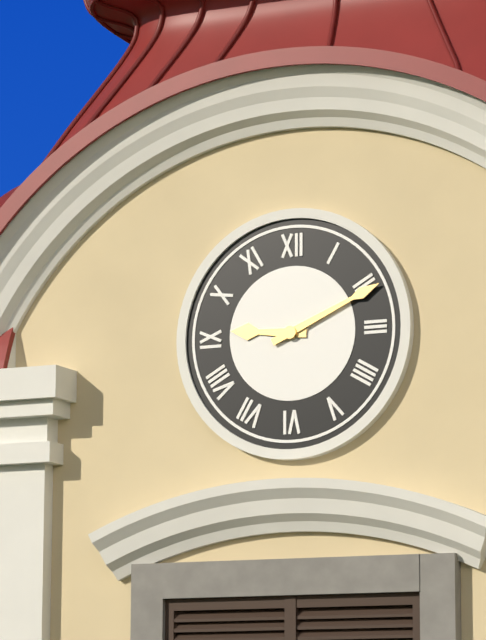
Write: 9,11
